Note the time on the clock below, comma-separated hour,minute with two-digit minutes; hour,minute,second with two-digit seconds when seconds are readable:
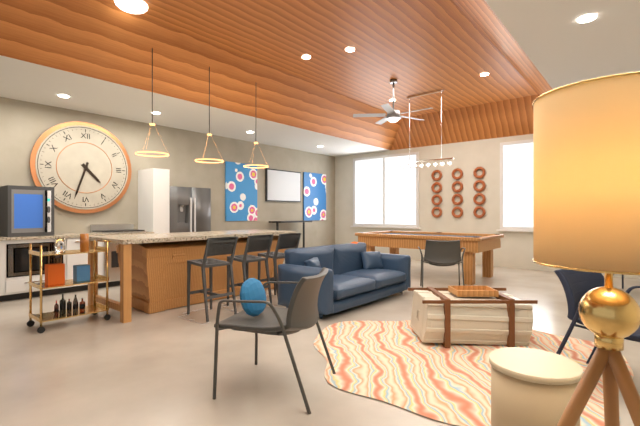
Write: 4,33
